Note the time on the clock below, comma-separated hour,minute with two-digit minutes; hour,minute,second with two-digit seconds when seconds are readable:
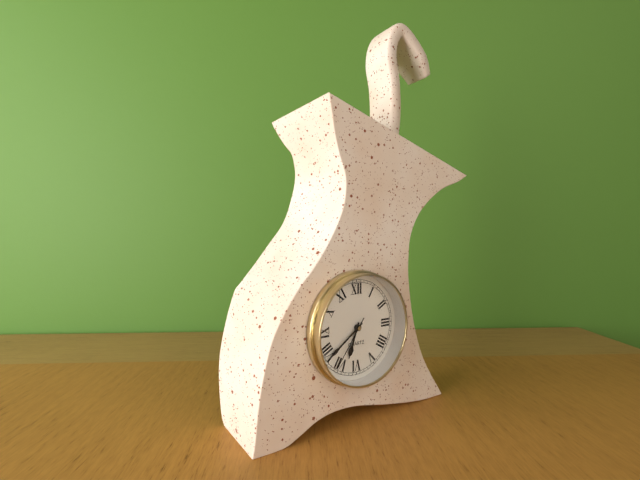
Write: 6,39,36
